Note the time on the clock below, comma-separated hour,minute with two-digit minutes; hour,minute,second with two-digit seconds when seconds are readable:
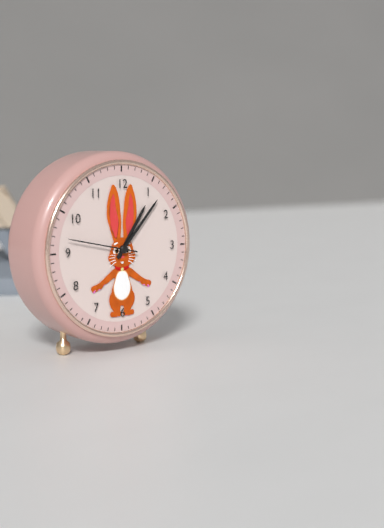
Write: 1,07,47
